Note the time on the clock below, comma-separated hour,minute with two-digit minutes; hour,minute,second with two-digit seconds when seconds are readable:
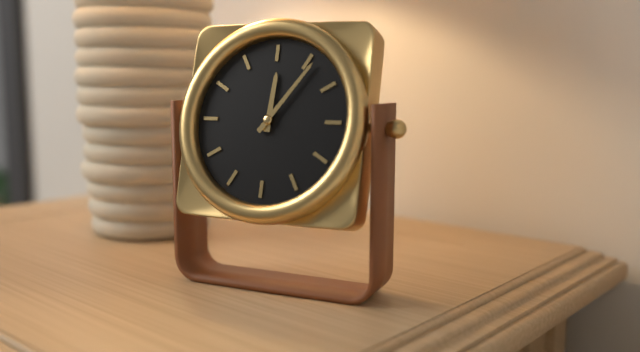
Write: 12,06
